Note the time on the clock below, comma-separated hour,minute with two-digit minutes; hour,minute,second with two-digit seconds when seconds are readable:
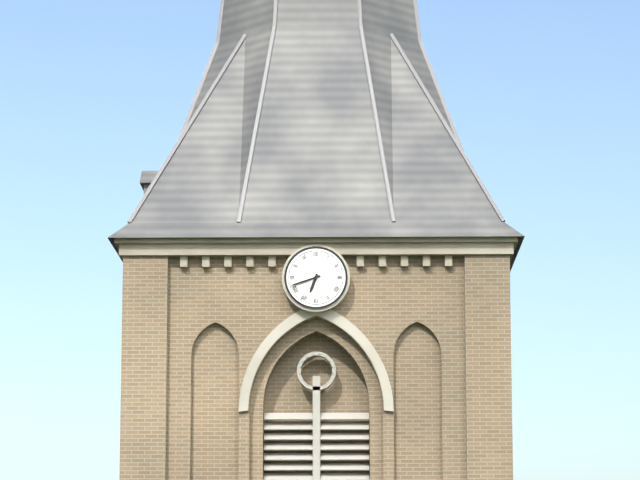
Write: 6,42
